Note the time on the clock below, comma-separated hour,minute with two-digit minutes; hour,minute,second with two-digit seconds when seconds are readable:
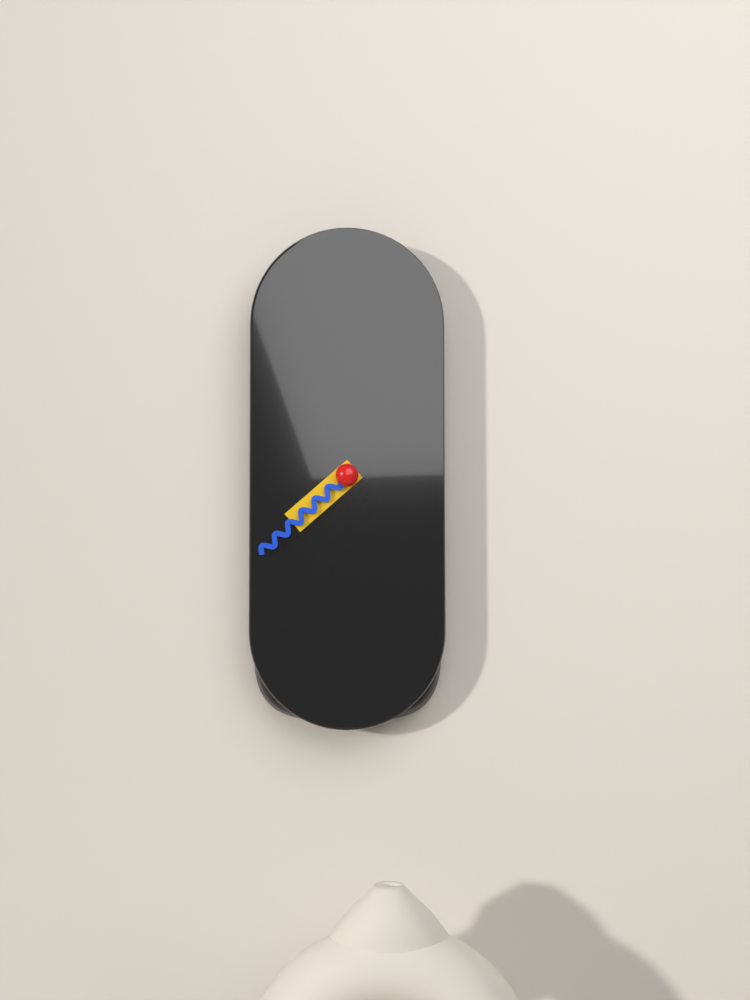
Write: 7,38
